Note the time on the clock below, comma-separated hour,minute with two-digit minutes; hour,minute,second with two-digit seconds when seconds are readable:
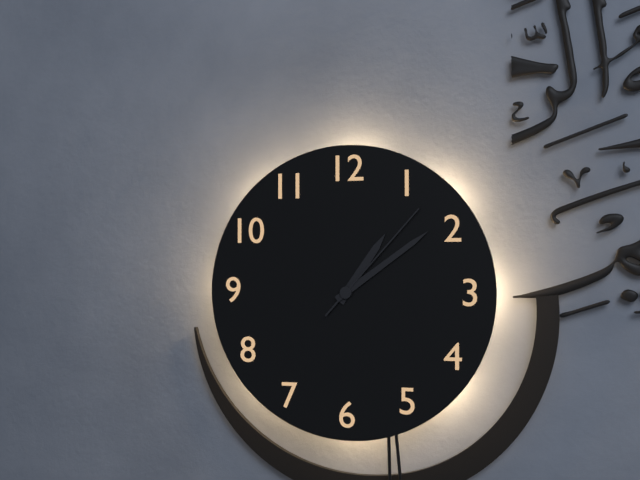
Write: 1,09,07
